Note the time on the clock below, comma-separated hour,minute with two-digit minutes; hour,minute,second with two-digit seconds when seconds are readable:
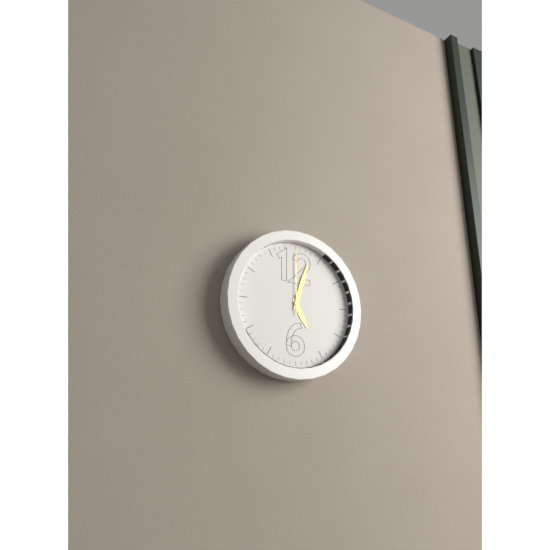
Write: 5,03,00
